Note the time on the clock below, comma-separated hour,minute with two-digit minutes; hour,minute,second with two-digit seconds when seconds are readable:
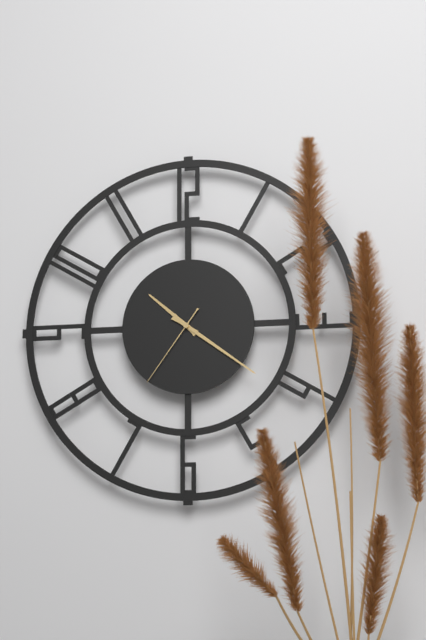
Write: 10,21,36
